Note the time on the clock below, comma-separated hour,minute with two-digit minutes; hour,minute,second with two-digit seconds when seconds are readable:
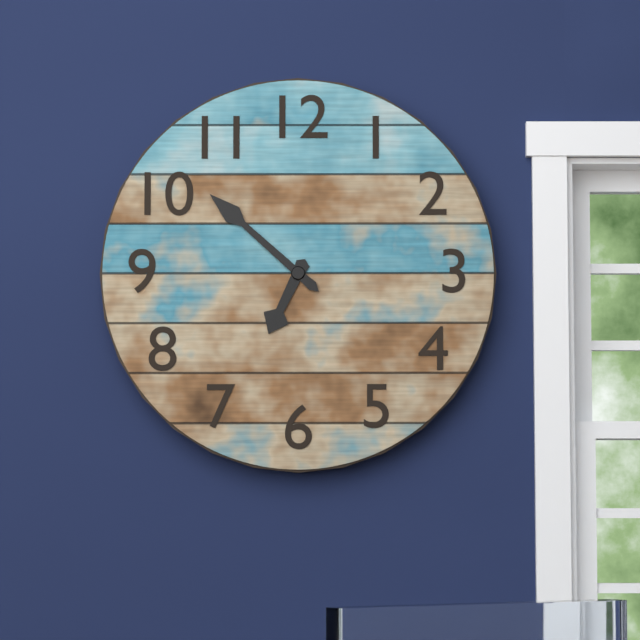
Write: 6,52
